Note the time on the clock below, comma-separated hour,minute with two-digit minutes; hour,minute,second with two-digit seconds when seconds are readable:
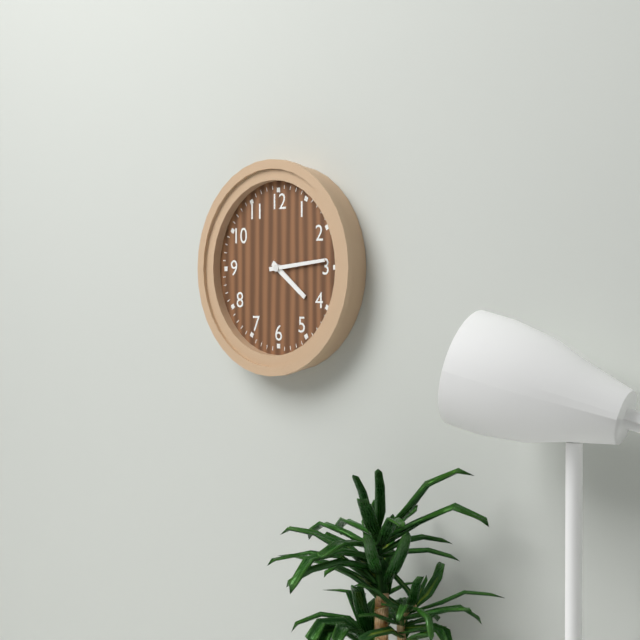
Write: 4,14
